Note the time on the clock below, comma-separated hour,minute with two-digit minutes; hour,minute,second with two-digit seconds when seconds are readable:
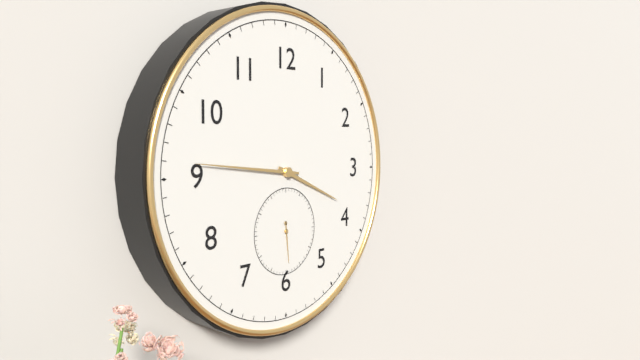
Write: 3,46
